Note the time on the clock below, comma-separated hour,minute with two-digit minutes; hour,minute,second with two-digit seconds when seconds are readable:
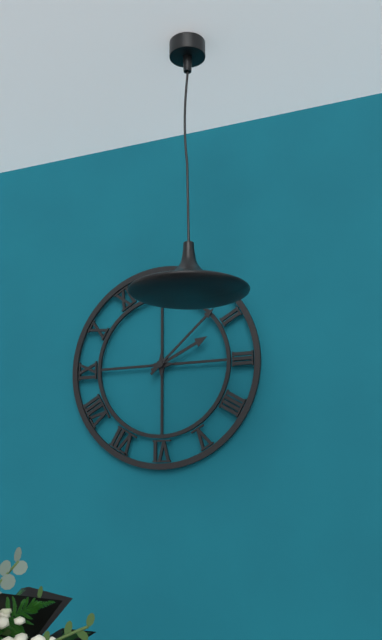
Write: 2,08
